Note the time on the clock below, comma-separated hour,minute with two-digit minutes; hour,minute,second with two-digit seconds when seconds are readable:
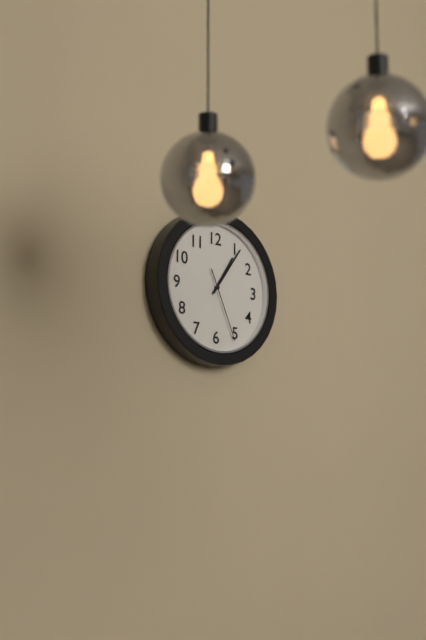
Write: 1,06,26
